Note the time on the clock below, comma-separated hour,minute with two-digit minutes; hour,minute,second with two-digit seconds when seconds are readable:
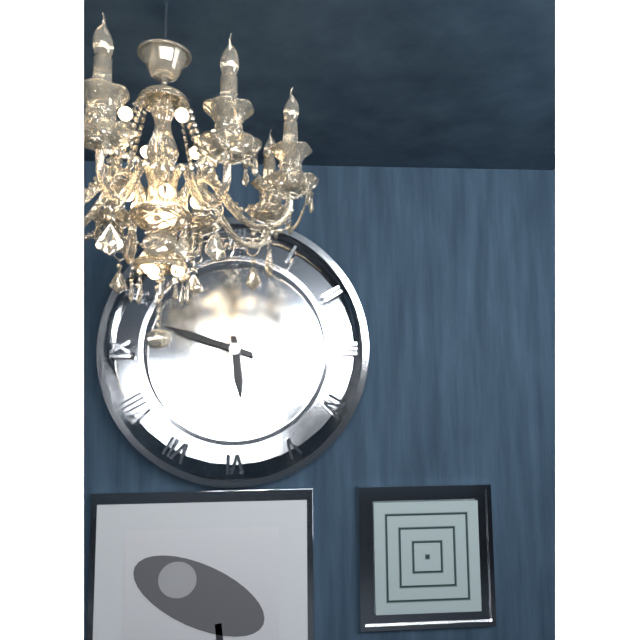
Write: 5,48
